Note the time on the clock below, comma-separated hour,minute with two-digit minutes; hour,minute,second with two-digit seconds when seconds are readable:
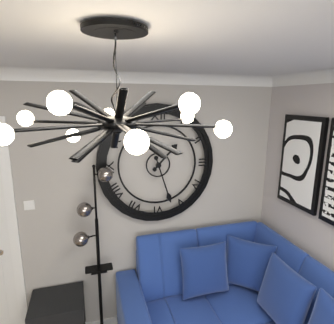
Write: 1,27
